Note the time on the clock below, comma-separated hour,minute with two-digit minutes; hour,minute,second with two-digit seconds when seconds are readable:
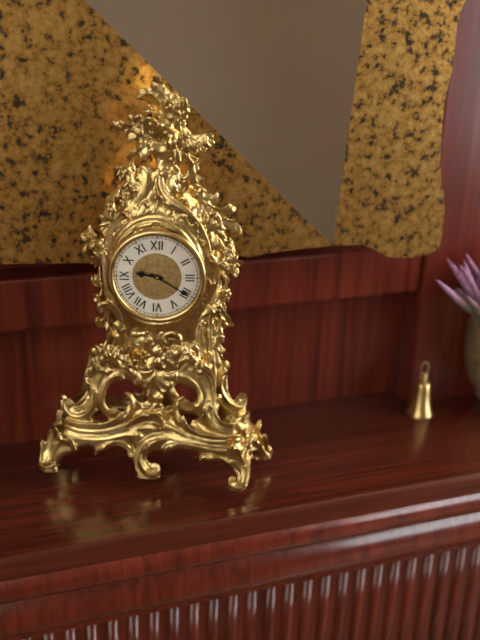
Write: 9,20
